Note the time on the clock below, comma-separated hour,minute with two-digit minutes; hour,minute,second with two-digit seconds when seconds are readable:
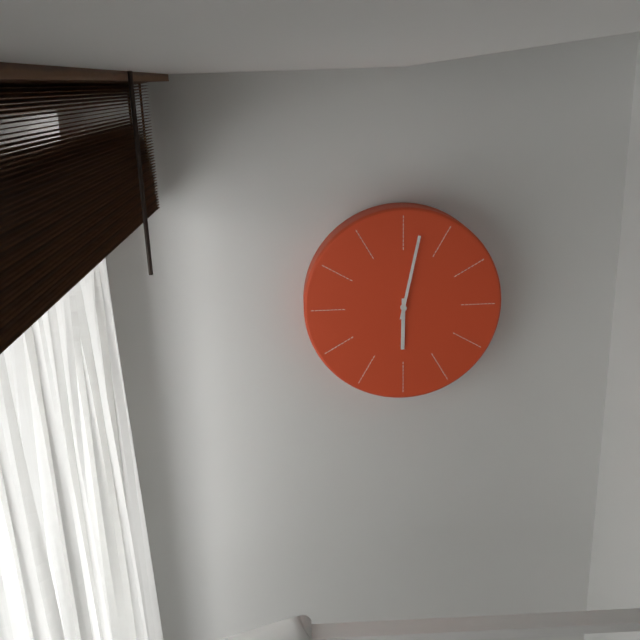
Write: 6,02
